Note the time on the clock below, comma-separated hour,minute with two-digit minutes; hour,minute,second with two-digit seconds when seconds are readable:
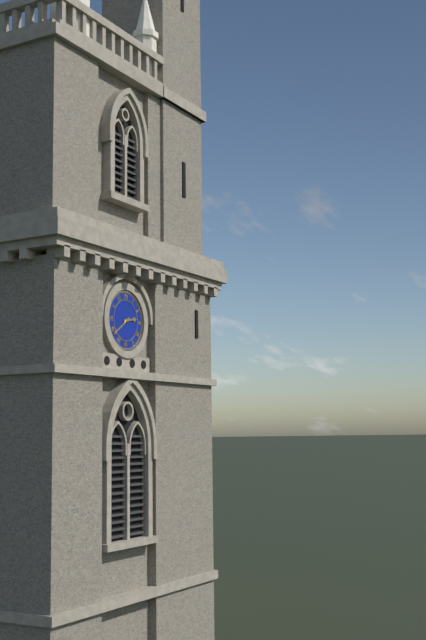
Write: 2,39
